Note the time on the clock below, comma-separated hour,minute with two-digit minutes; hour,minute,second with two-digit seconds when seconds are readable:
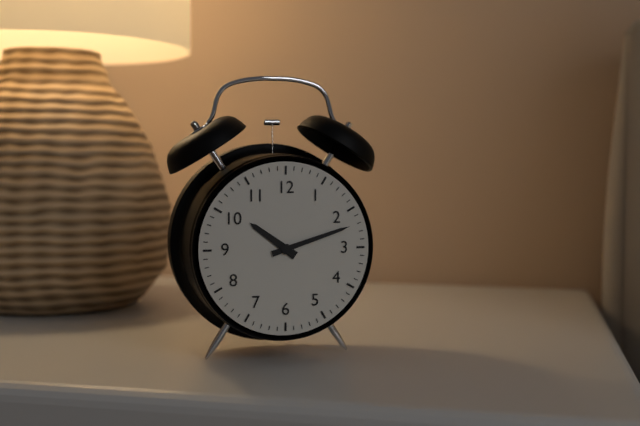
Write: 10,12
